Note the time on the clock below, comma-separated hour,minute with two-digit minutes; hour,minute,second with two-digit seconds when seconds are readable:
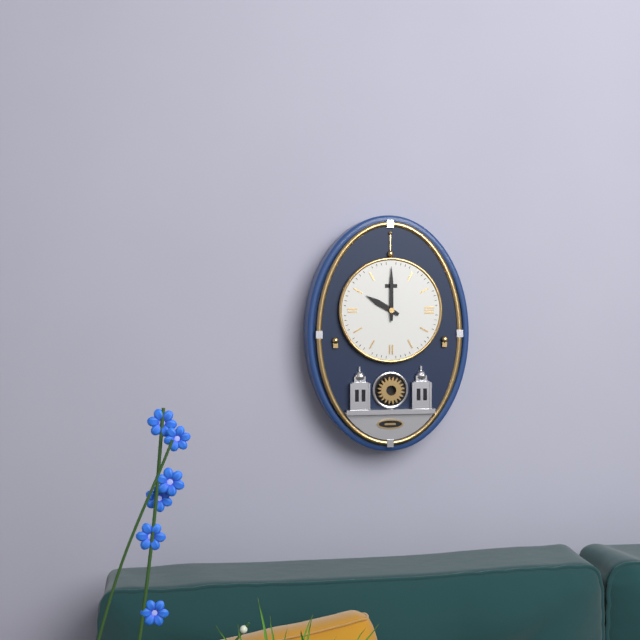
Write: 10,00
